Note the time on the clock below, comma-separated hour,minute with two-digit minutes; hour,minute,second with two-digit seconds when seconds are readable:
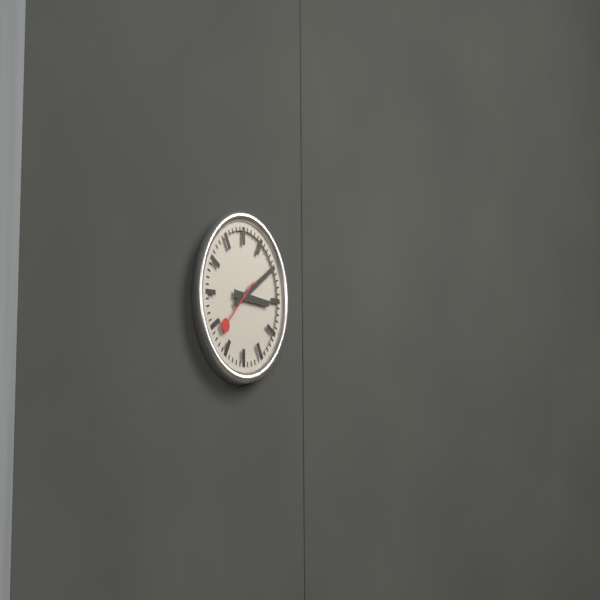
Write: 3,10
